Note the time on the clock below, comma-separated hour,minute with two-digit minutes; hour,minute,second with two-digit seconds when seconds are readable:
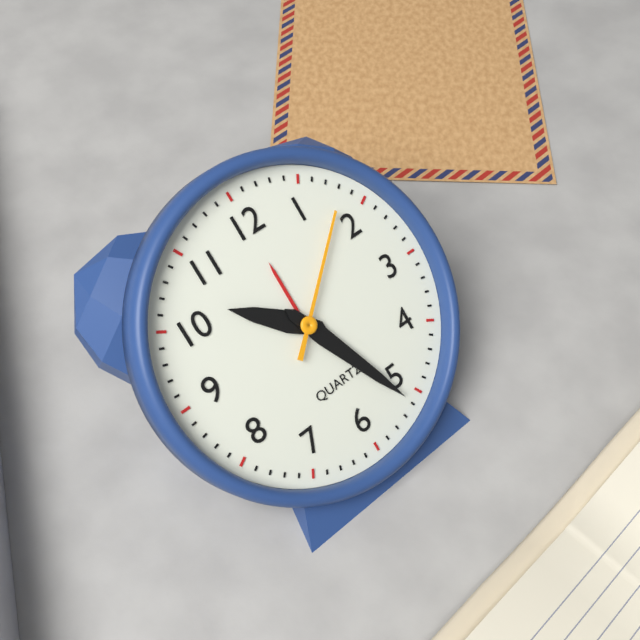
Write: 10,26,08
